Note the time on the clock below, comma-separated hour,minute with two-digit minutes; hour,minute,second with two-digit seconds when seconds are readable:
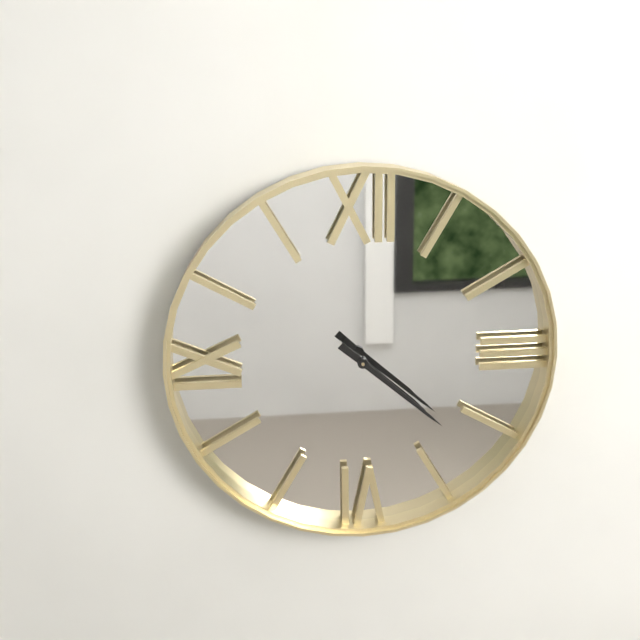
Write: 4,22
